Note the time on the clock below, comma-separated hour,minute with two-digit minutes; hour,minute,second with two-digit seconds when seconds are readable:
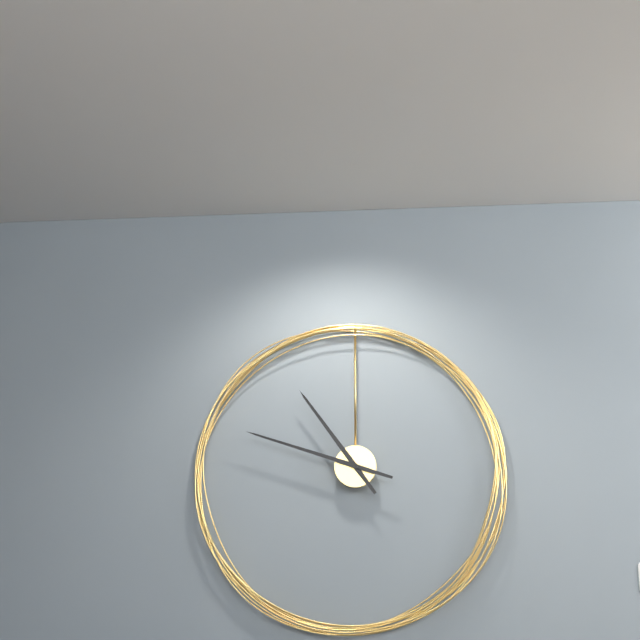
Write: 10,48
